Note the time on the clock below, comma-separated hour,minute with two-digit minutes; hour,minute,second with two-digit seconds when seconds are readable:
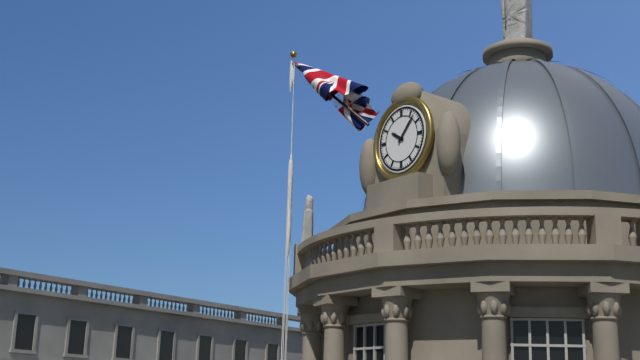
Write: 10,07
